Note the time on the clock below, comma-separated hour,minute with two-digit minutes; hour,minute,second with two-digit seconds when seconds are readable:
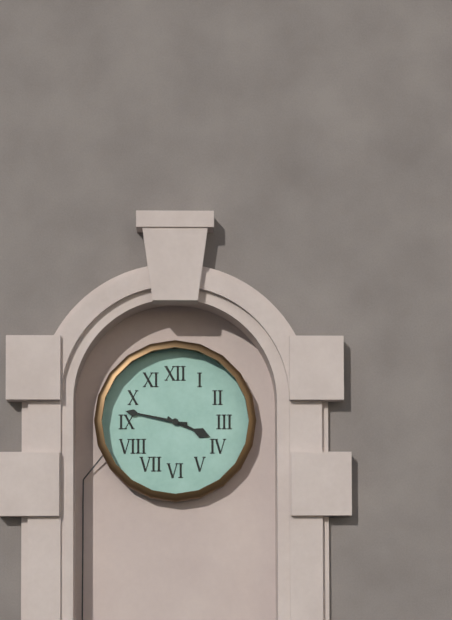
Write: 3,47
